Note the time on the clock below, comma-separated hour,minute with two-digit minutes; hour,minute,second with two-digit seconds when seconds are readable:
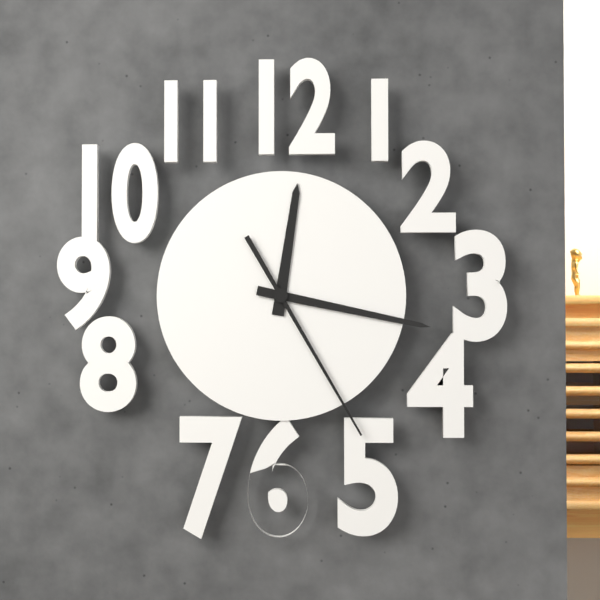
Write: 12,17,25
